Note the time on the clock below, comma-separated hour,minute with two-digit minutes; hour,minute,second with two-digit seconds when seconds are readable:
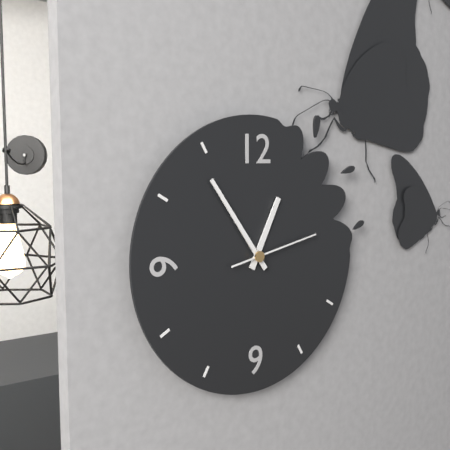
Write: 12,54,13
